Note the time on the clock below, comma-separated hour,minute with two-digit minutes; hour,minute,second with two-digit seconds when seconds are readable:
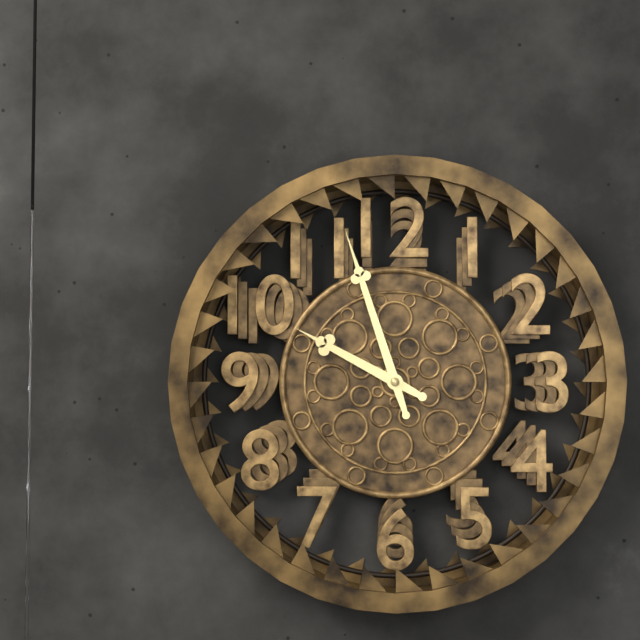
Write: 9,57
